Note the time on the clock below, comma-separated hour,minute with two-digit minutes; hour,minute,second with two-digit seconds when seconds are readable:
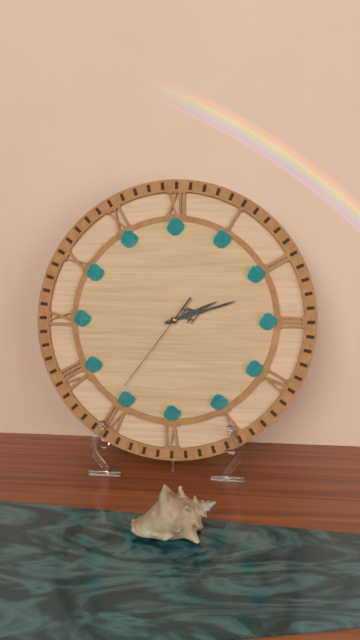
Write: 2,12,36
